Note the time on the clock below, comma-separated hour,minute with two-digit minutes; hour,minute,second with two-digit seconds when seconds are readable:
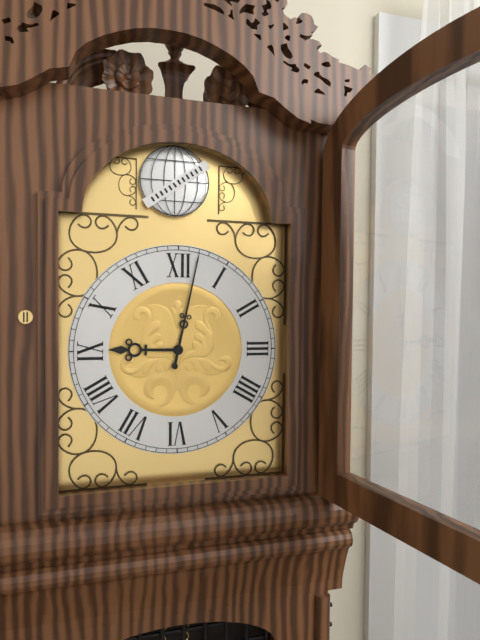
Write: 9,02
